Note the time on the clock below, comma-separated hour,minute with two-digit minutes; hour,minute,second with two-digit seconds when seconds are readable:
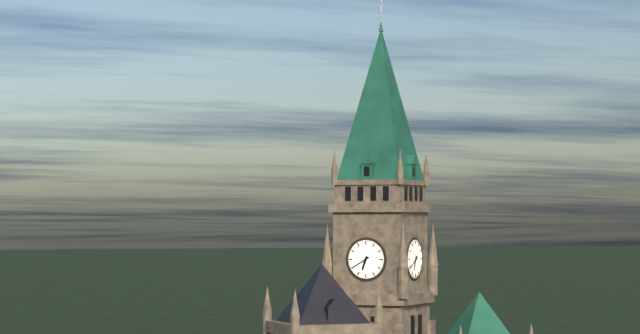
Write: 6,40
